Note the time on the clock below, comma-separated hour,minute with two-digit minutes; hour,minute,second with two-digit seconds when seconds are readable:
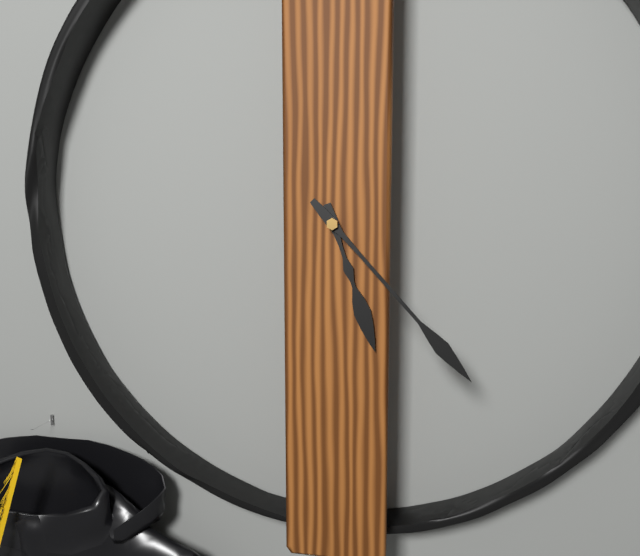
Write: 5,23
